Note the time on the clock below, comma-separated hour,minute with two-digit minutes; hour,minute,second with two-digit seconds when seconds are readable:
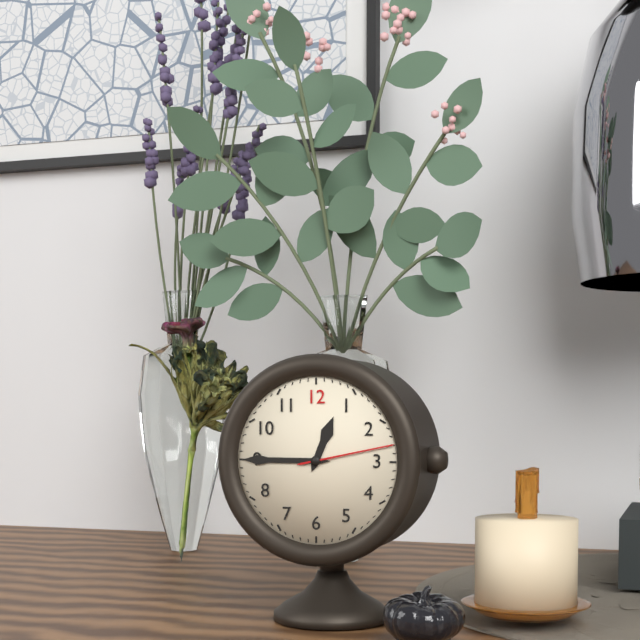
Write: 12,45,13
